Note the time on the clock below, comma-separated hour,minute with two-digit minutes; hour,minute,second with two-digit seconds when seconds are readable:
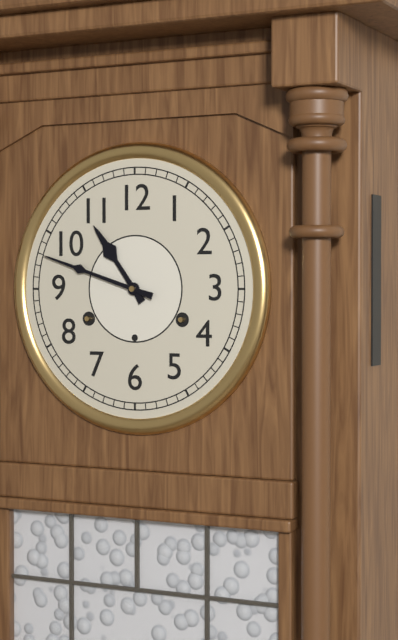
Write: 10,48
